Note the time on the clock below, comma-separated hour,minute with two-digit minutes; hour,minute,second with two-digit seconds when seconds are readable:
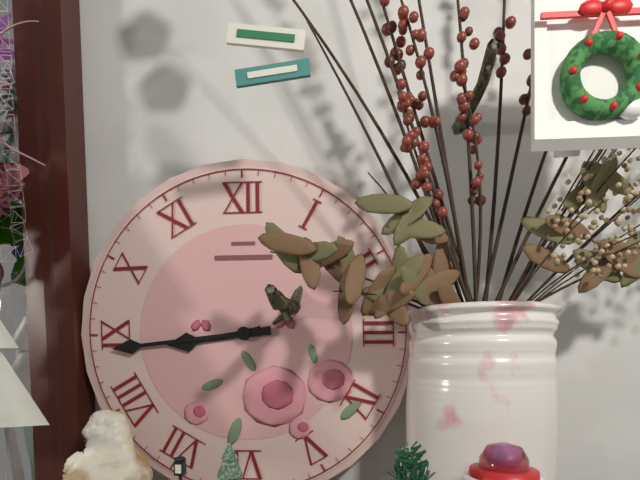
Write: 8,44
